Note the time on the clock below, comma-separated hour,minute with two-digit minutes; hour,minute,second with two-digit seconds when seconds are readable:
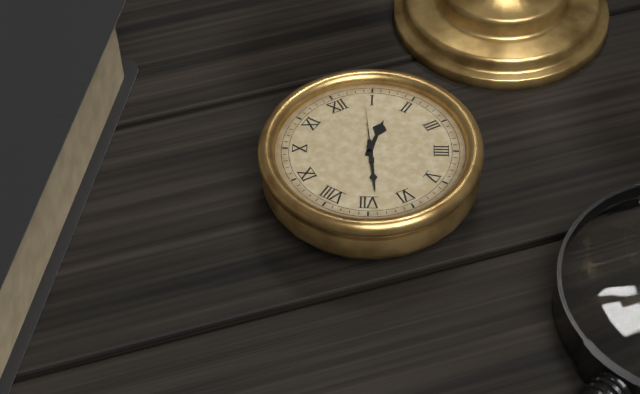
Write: 1,34,04
